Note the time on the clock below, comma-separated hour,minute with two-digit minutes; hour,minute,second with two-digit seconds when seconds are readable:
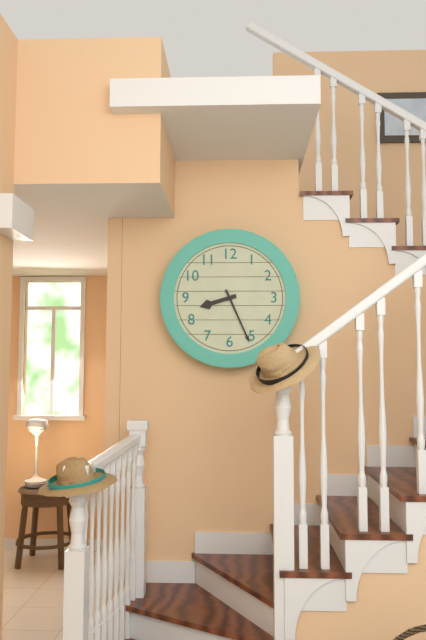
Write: 8,26
